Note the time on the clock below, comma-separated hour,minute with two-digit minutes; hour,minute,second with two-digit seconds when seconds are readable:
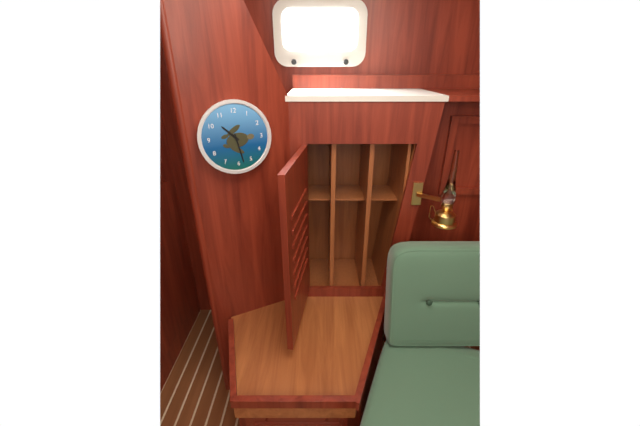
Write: 10,28
